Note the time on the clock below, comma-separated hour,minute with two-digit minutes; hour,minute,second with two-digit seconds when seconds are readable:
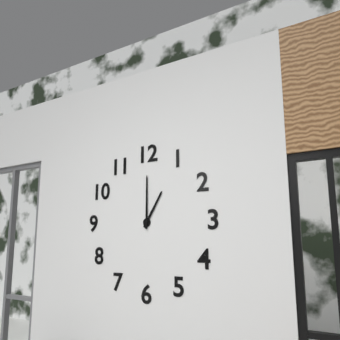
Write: 1,00
